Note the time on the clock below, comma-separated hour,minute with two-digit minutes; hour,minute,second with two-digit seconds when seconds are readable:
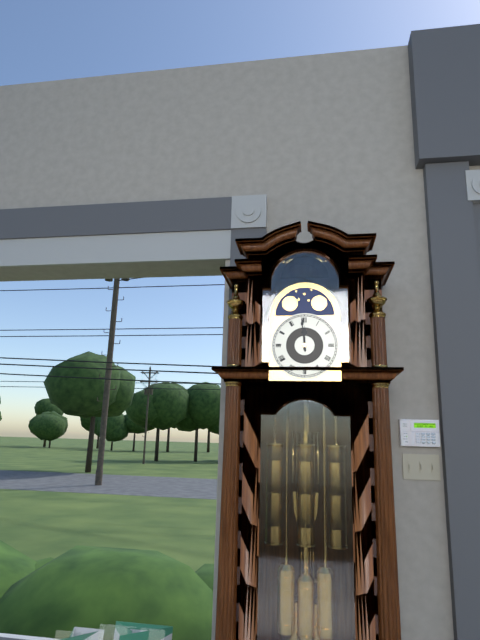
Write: 11,59
